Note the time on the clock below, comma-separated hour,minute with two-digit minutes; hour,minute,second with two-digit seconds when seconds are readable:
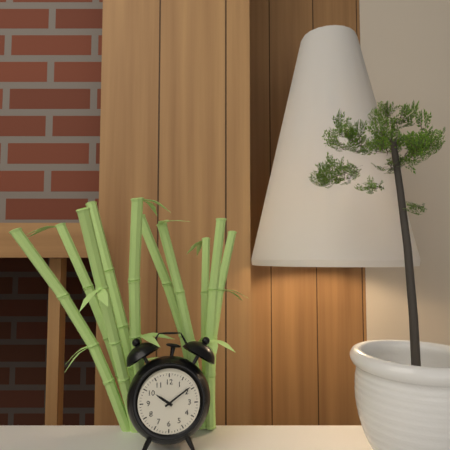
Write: 10,09
